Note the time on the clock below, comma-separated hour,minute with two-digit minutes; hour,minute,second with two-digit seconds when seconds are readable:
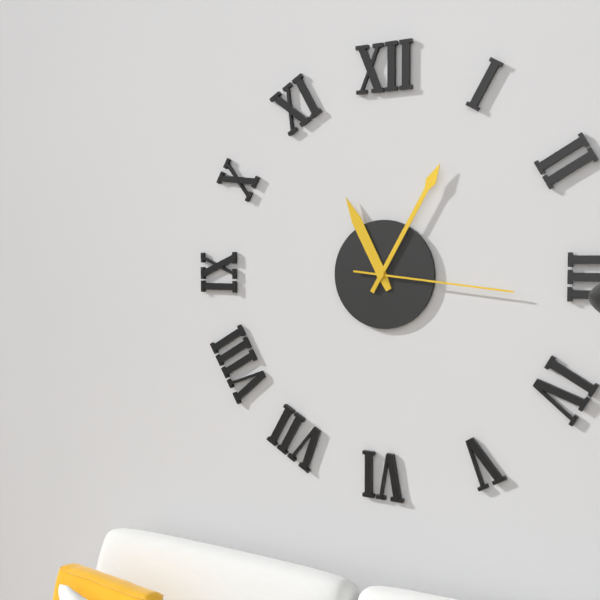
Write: 11,05,16
